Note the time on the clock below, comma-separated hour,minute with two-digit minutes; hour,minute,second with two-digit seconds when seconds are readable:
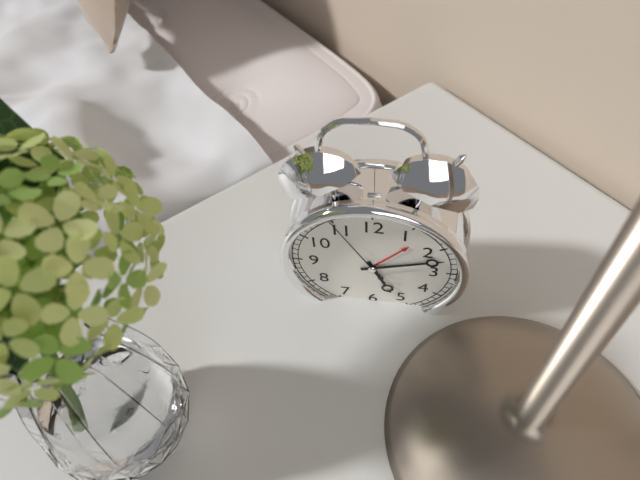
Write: 5,12,55
